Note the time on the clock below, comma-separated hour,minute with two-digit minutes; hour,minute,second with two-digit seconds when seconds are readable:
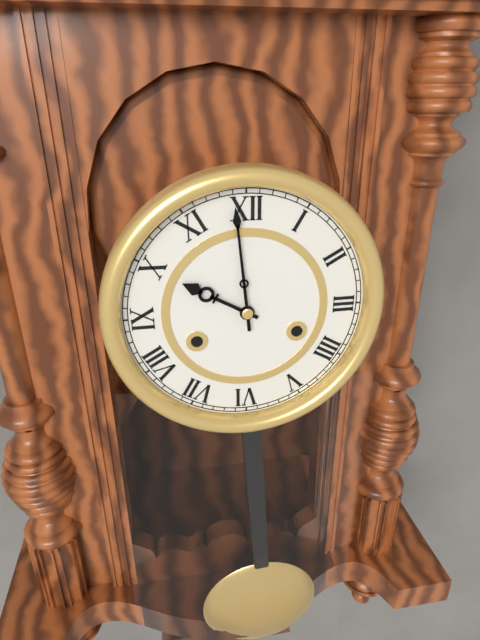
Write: 9,59
